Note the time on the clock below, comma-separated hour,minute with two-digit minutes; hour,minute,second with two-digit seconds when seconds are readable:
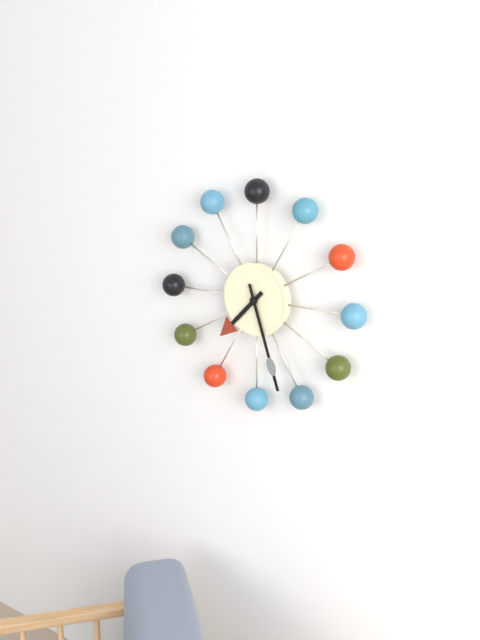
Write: 7,27
